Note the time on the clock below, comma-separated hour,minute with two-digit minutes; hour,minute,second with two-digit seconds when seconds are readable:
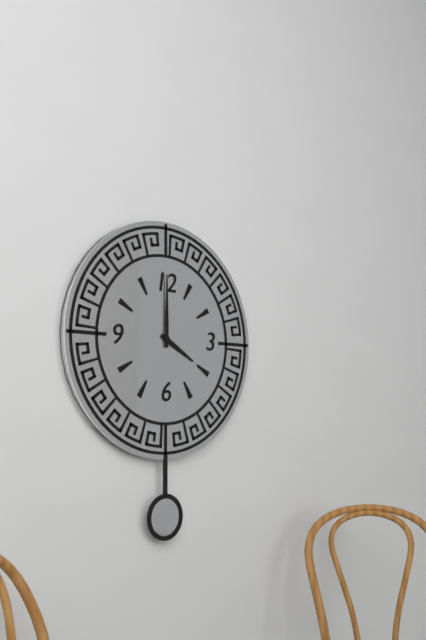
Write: 4,00
